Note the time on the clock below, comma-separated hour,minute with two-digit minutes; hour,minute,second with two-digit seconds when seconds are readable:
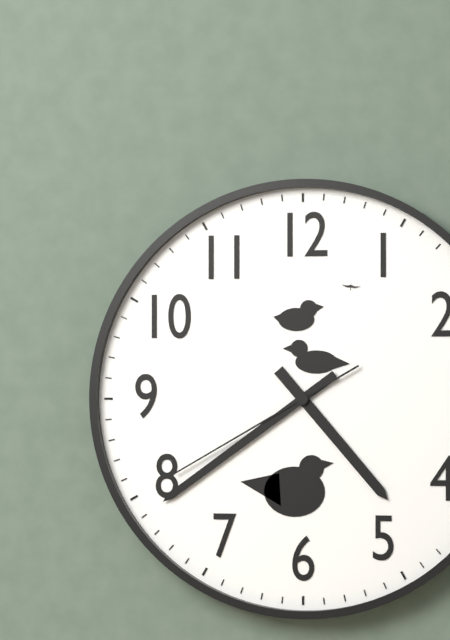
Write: 4,39,40
